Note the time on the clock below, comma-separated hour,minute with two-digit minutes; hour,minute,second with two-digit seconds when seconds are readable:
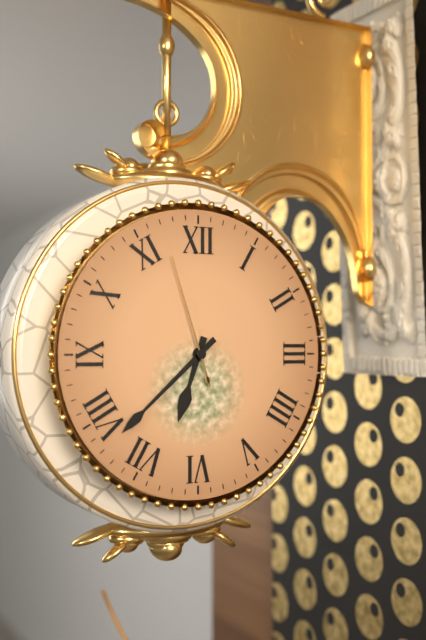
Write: 6,38,57
